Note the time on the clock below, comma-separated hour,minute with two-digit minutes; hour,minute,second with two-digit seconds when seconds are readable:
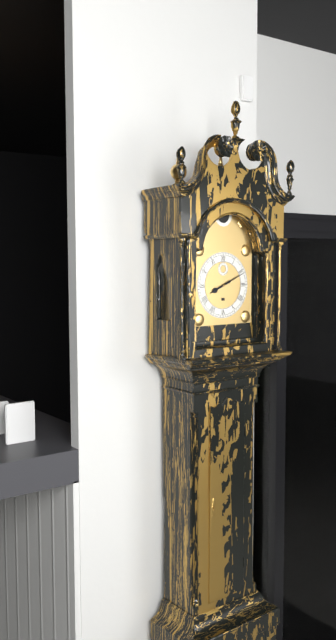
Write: 8,11
